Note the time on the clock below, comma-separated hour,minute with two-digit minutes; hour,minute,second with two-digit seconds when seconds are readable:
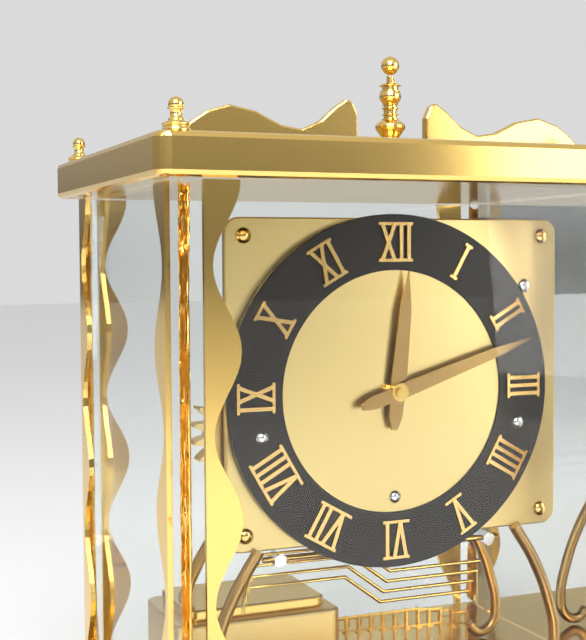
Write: 12,12
